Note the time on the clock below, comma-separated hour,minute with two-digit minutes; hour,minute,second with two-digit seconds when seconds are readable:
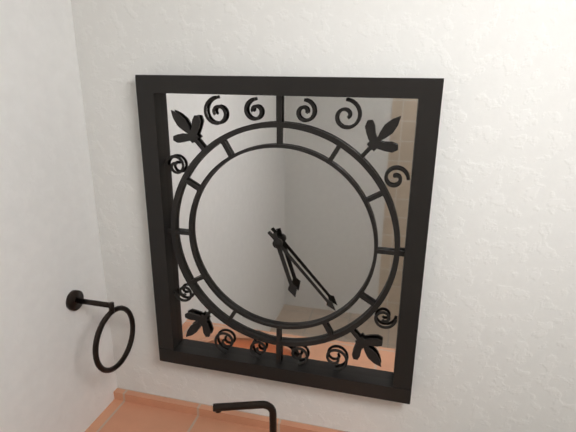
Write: 5,23
